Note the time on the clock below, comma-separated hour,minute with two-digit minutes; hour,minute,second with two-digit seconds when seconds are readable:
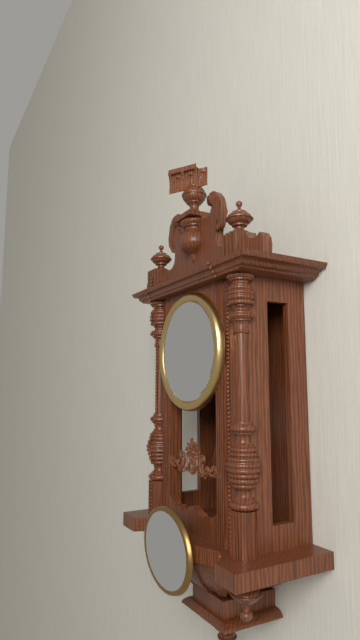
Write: 6,35
